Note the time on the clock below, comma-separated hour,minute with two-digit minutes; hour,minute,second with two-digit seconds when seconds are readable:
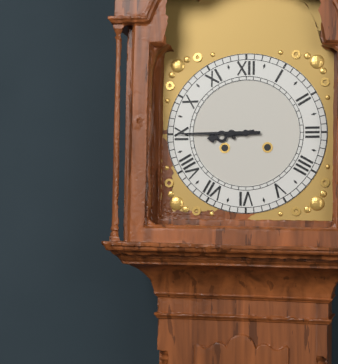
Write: 8,45
